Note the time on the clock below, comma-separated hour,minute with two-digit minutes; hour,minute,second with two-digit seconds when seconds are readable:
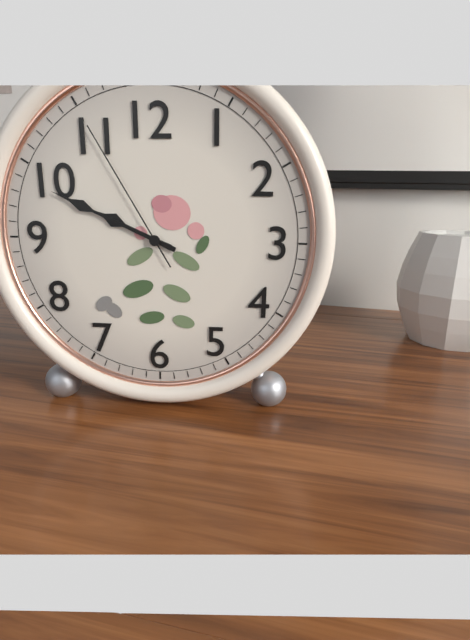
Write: 9,49,55
